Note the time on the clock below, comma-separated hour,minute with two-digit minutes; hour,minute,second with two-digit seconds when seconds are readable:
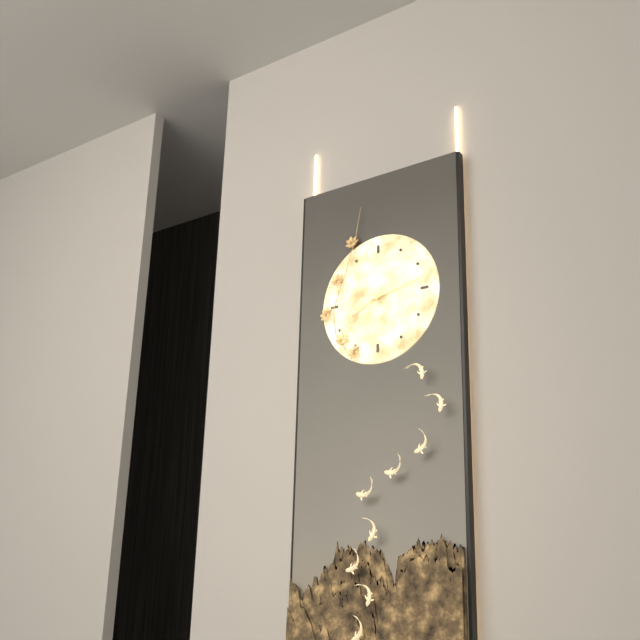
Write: 8,13
